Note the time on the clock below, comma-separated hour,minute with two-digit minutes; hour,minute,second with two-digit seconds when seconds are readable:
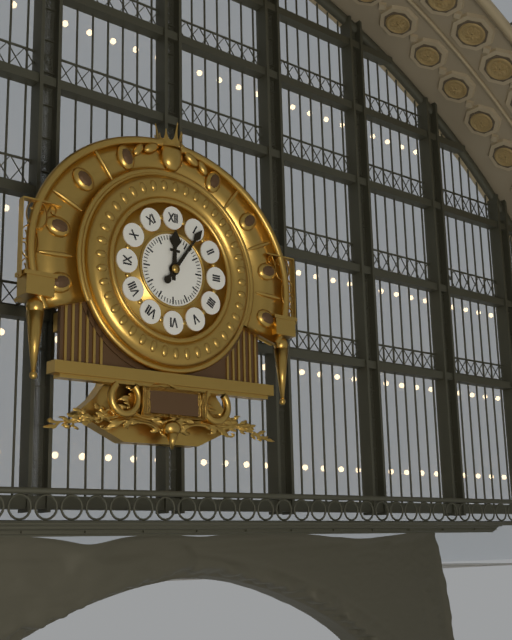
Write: 12,06
